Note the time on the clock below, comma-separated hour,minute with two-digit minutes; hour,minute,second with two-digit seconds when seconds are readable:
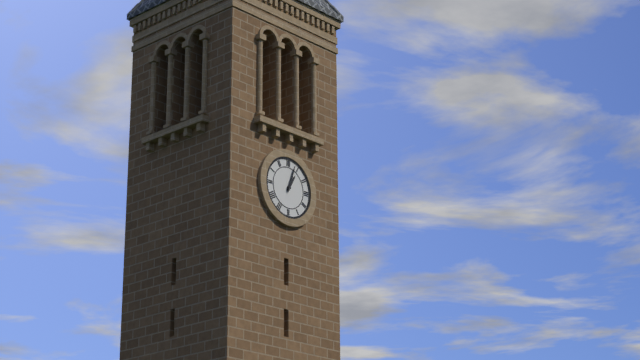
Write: 1,03
